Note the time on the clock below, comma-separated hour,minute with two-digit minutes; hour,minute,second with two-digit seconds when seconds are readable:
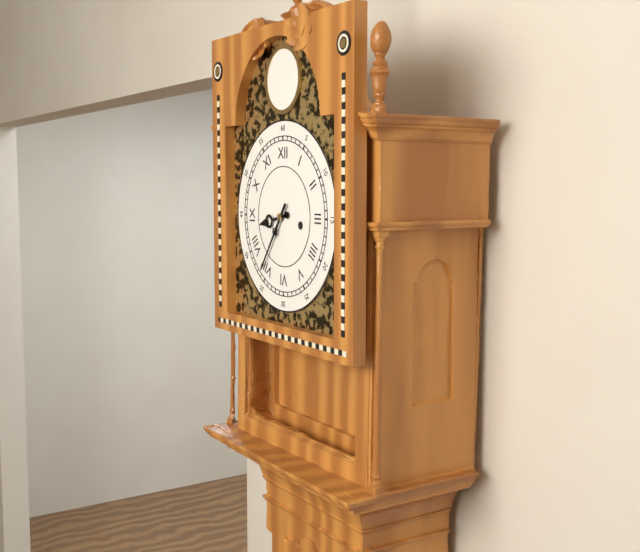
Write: 8,36
